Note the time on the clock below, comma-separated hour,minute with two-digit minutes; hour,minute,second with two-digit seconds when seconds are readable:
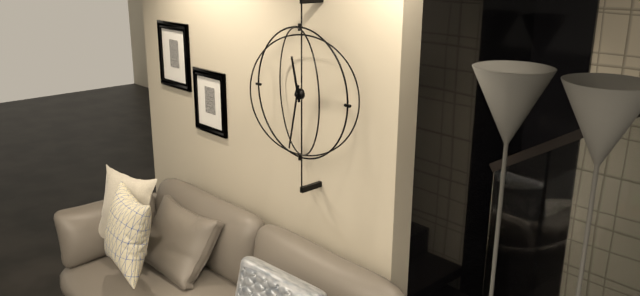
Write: 11,32
